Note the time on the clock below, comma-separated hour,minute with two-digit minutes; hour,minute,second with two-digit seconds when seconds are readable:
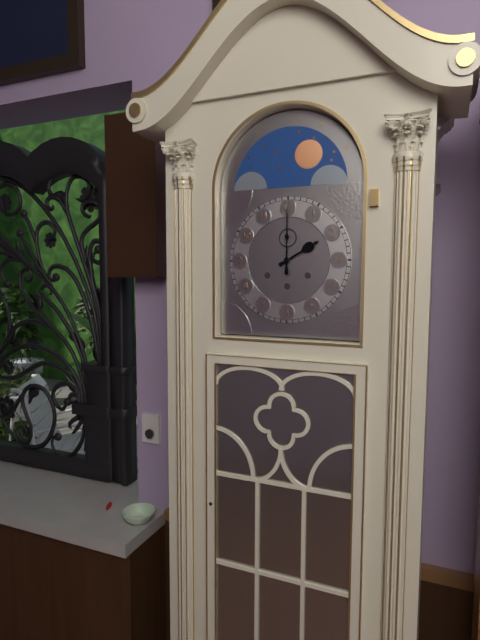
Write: 2,00
